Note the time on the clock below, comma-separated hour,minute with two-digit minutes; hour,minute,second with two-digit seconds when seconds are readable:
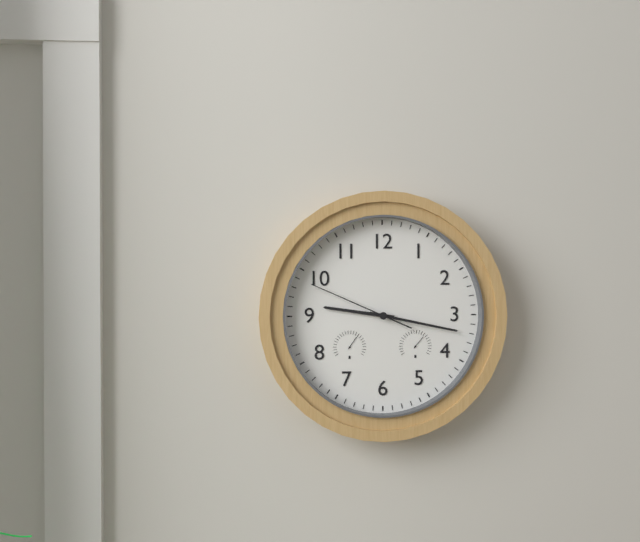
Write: 9,17,49
